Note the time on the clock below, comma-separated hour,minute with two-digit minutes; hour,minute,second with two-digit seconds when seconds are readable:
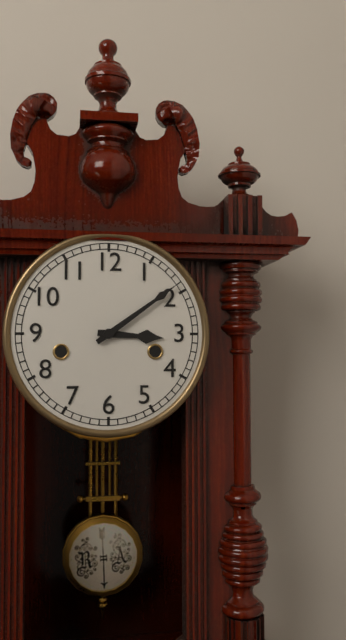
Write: 3,09
